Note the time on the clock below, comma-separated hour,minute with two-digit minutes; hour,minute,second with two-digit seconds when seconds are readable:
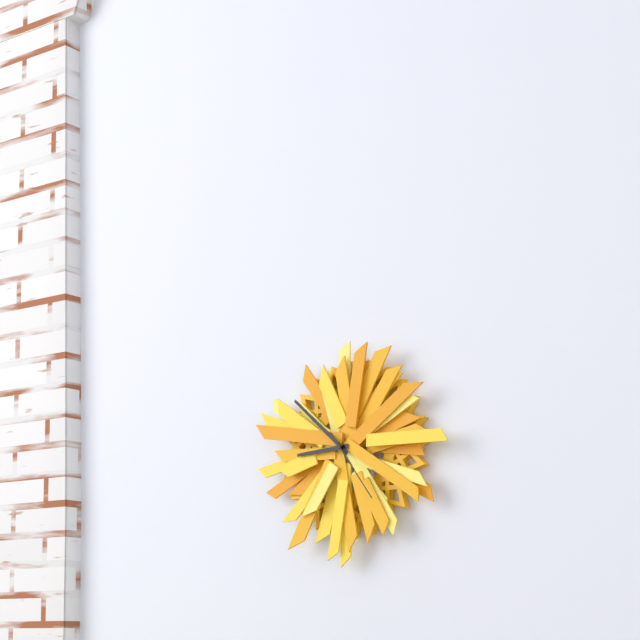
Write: 8,52,24
